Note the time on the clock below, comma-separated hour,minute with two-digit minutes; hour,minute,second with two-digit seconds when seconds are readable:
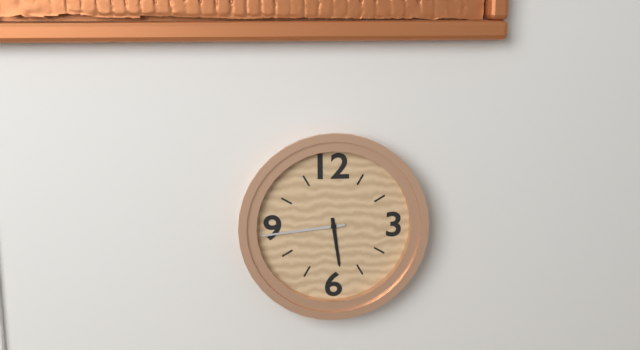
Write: 5,44
